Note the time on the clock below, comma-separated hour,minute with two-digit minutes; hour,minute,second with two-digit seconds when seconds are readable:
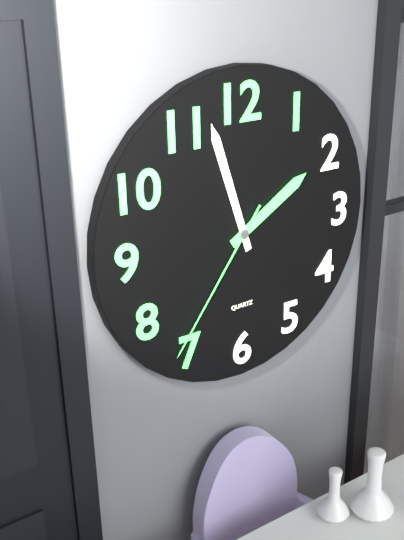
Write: 1,57,36
